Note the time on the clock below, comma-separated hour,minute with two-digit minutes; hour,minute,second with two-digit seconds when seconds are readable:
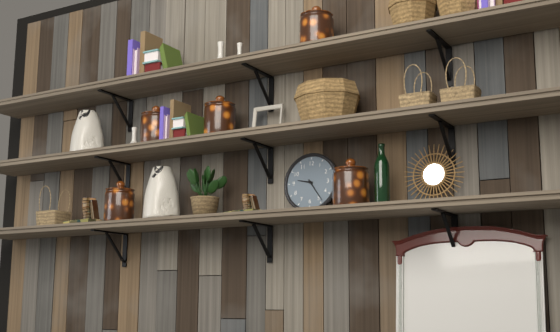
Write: 9,24
